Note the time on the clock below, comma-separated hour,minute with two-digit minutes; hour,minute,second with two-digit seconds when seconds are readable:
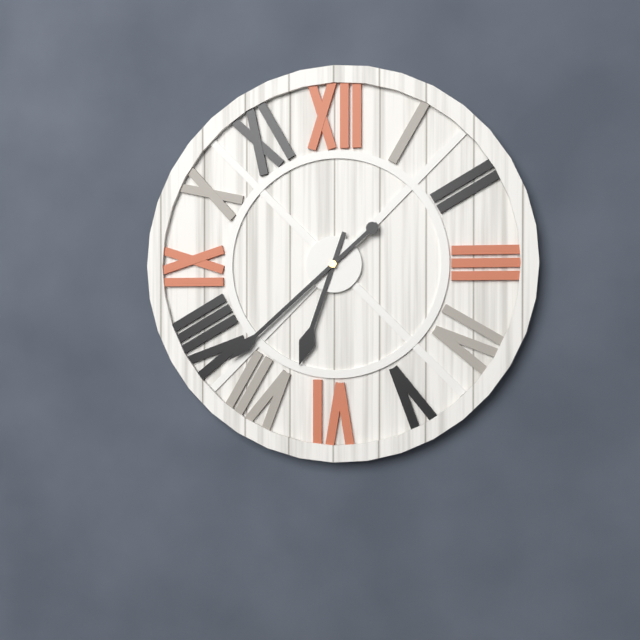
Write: 6,38
